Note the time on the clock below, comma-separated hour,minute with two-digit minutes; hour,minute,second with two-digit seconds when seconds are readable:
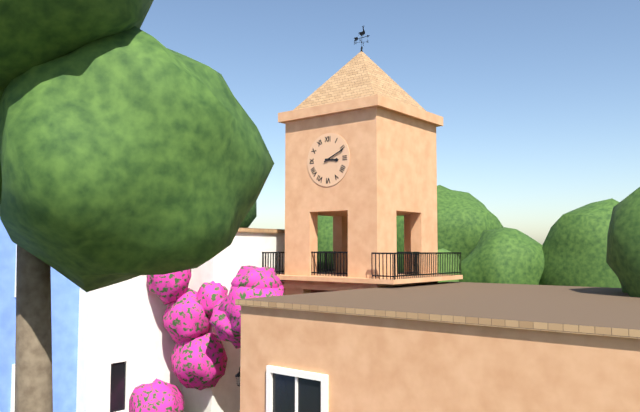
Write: 3,11
